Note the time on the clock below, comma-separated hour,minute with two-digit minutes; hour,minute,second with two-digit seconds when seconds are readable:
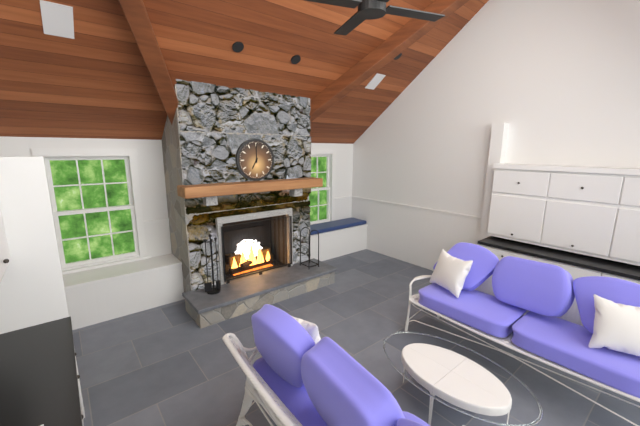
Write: 7,00
